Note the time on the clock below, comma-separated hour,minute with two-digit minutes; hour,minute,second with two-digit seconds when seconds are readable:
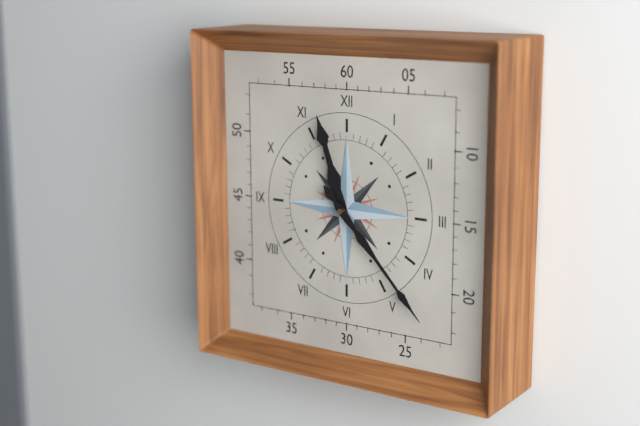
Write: 11,23
